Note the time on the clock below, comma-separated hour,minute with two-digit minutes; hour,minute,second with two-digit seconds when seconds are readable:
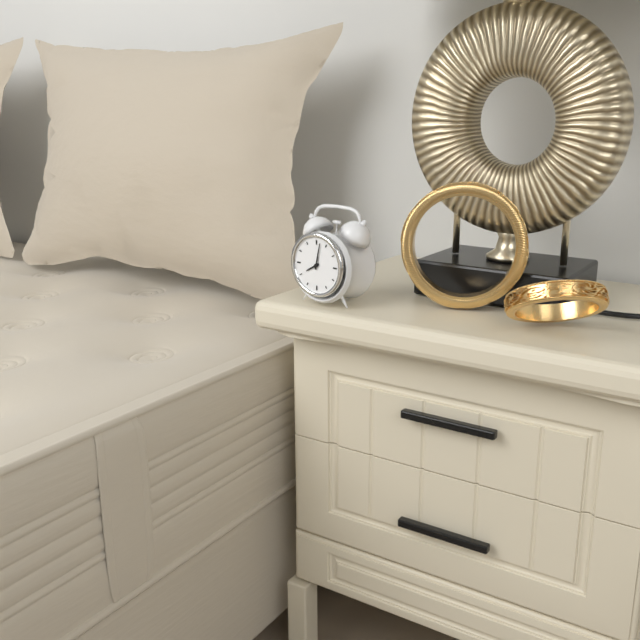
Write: 8,02
